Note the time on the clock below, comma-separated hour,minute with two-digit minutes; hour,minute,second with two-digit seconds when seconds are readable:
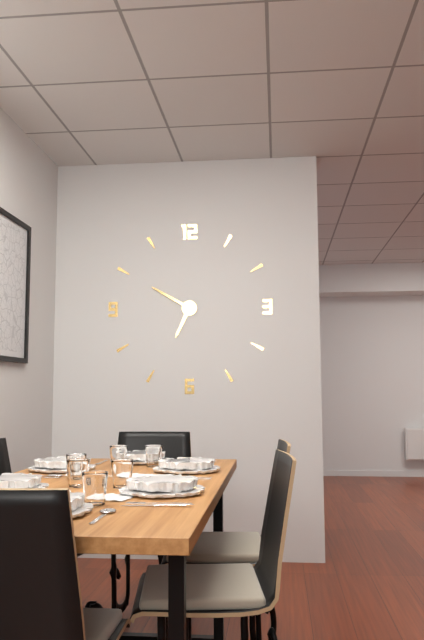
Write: 6,50
